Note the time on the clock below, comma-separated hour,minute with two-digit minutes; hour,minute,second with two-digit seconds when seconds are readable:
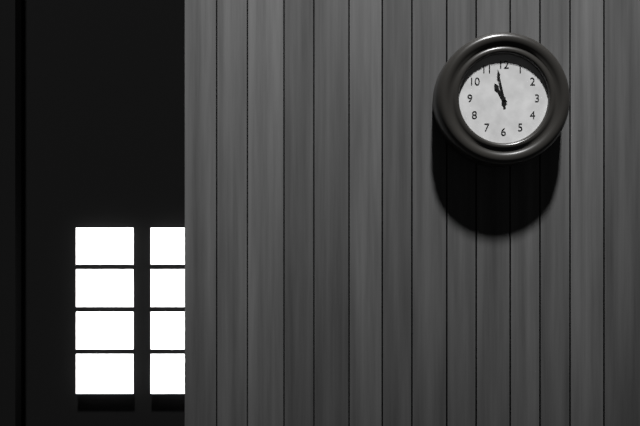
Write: 10,58
